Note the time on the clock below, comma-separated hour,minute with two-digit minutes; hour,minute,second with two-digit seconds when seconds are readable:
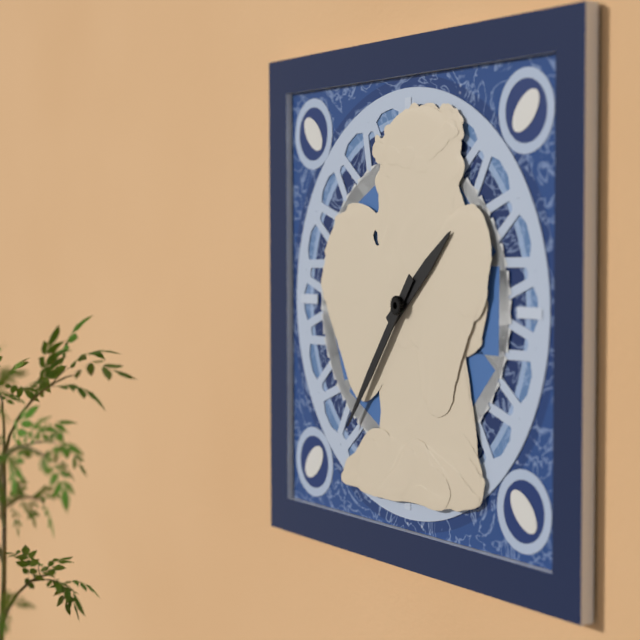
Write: 1,36
